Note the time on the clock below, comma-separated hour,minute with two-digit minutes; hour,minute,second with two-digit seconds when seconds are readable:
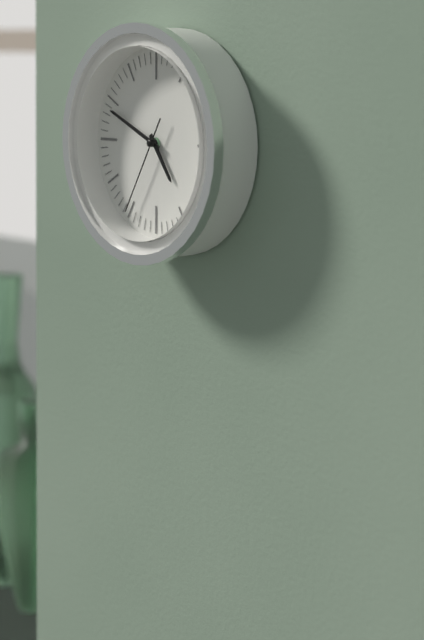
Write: 4,49,35
